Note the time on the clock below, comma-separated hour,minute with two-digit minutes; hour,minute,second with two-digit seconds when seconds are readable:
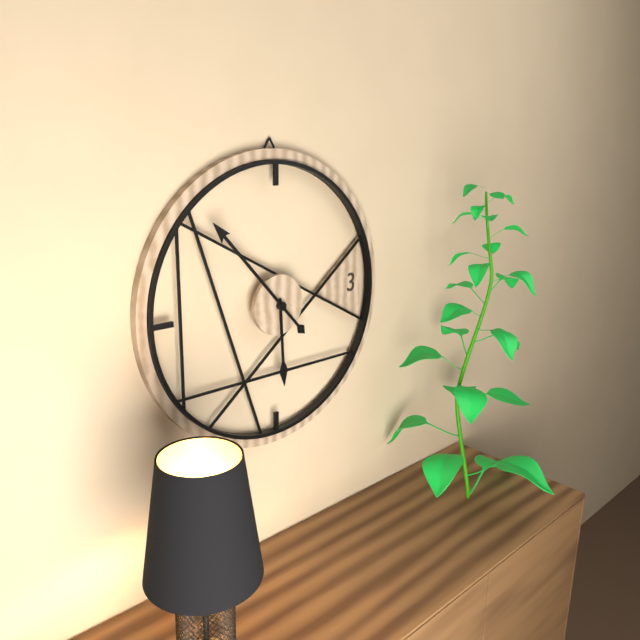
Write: 5,53
